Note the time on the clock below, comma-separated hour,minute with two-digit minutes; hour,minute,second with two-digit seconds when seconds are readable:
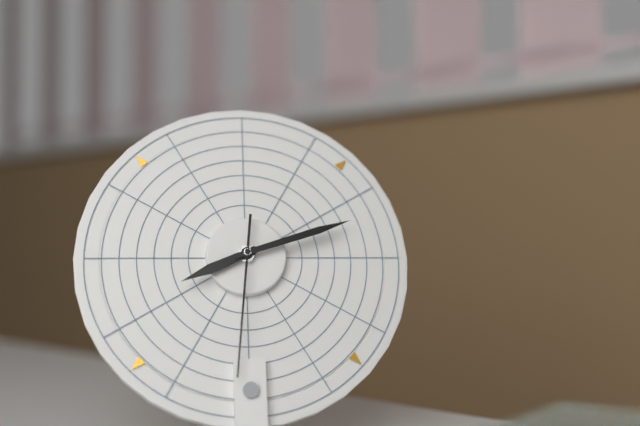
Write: 8,12,31
